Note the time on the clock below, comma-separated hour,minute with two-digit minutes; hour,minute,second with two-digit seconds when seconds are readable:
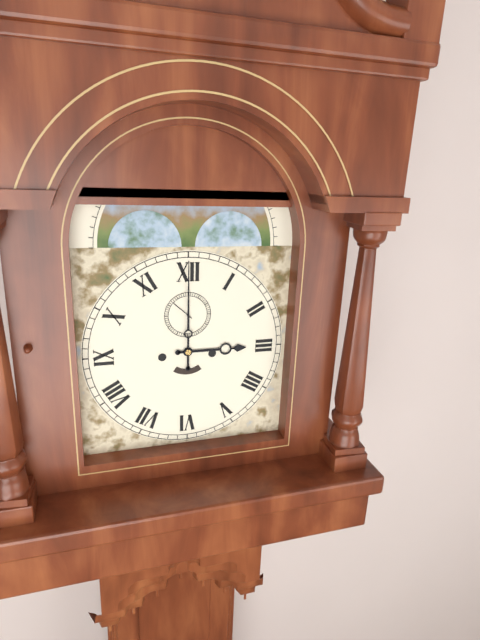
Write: 3,00
